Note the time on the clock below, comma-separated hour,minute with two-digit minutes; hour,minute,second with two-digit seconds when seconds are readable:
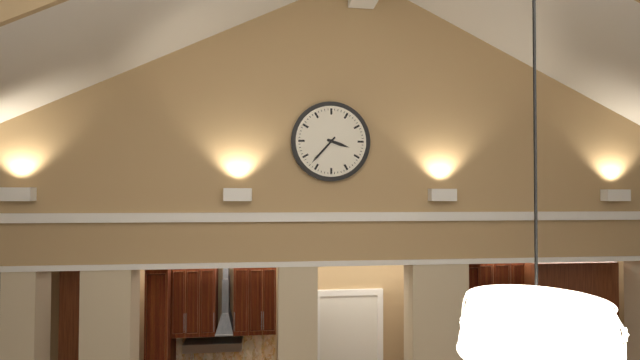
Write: 3,37
